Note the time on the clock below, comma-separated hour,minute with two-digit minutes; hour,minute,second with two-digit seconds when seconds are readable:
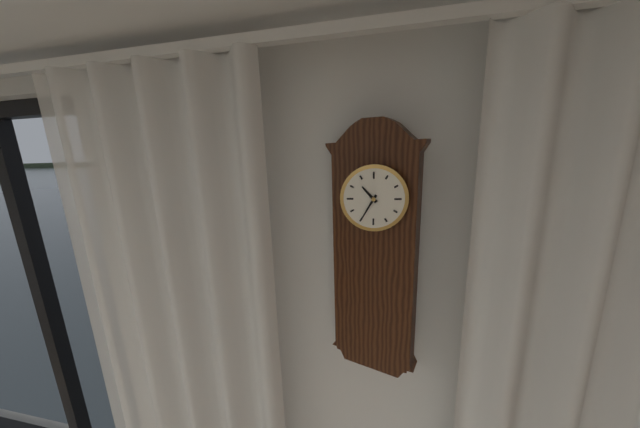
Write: 10,35
